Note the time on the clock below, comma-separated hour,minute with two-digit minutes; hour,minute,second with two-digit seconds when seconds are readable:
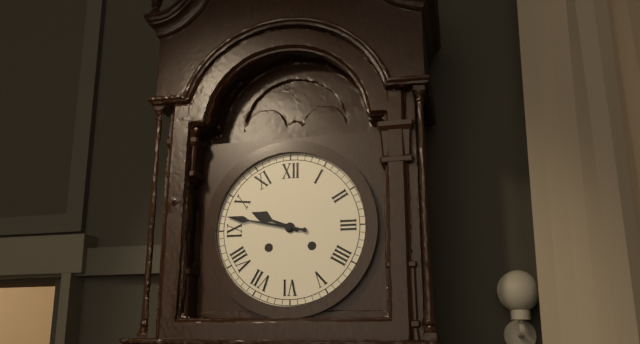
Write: 9,47
